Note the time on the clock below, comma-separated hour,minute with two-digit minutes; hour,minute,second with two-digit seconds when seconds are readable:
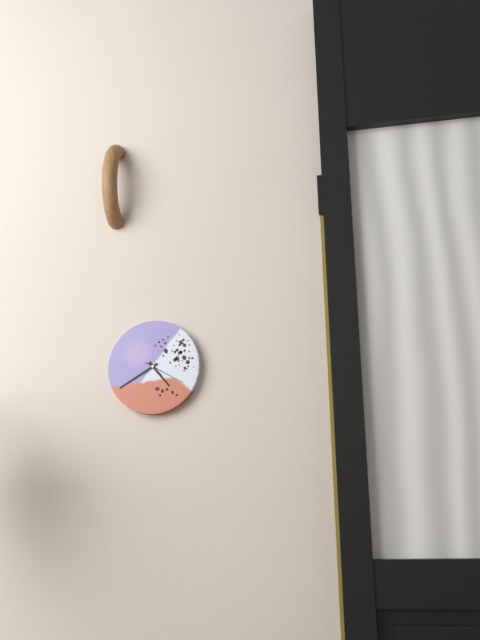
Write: 4,40
